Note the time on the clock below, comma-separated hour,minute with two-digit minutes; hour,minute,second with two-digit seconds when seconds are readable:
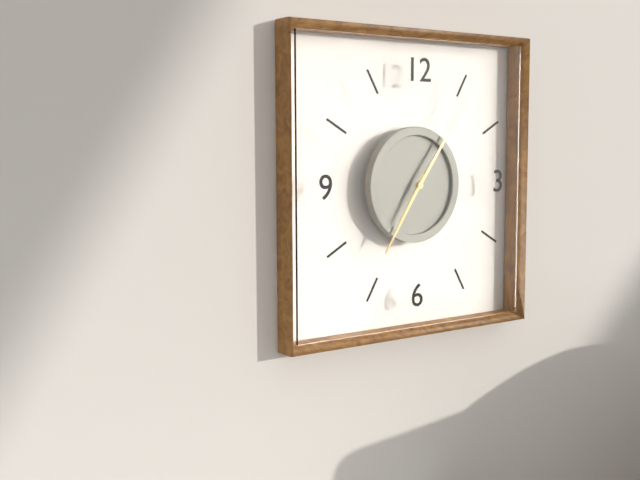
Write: 7,06
